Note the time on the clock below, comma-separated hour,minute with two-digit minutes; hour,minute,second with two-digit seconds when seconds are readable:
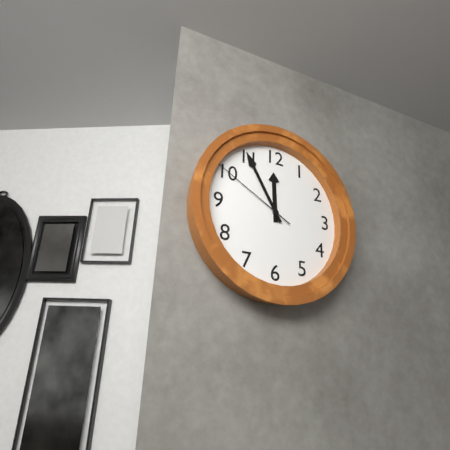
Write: 11,55,50
